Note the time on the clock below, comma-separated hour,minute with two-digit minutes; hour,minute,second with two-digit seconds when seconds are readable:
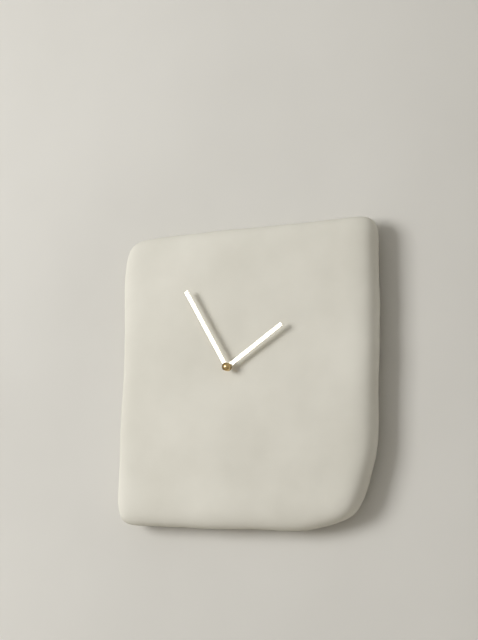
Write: 1,55
